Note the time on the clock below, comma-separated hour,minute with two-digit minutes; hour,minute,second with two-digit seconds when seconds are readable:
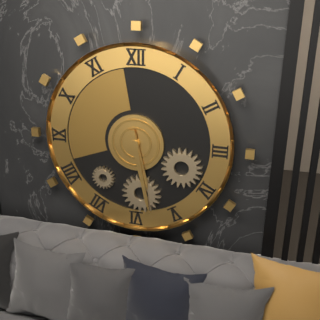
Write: 5,28
